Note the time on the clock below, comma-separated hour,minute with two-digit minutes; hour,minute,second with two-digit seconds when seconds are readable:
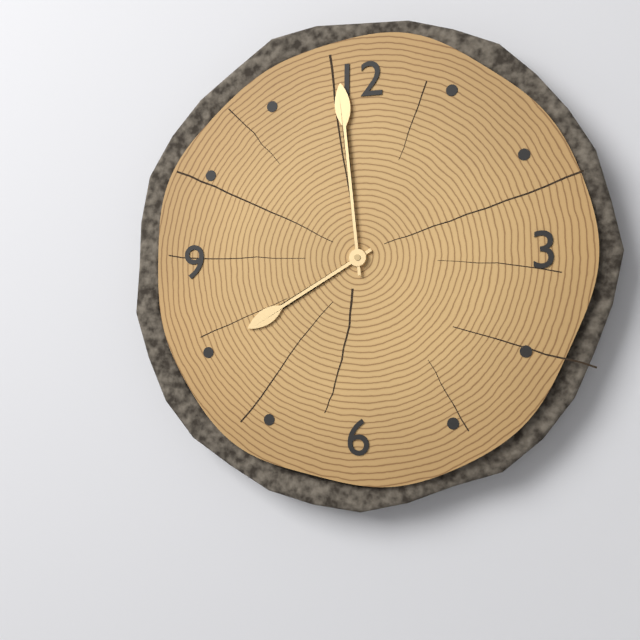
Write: 7,59
